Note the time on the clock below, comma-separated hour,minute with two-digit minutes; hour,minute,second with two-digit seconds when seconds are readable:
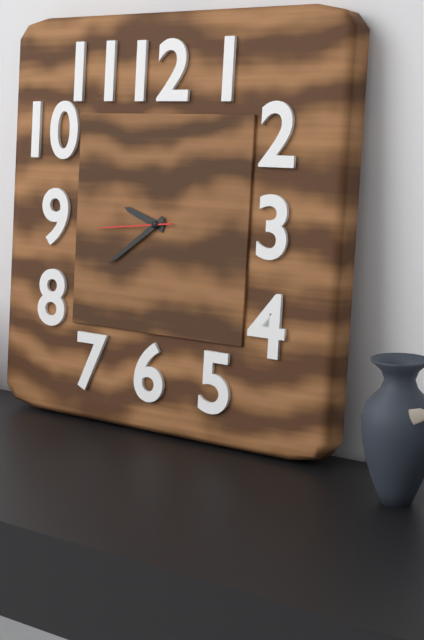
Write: 9,39,44
